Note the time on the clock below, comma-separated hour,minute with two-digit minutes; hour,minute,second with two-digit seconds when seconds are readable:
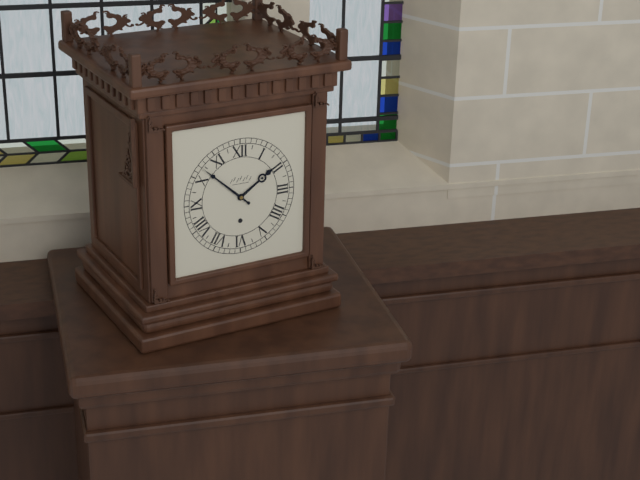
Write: 1,52
